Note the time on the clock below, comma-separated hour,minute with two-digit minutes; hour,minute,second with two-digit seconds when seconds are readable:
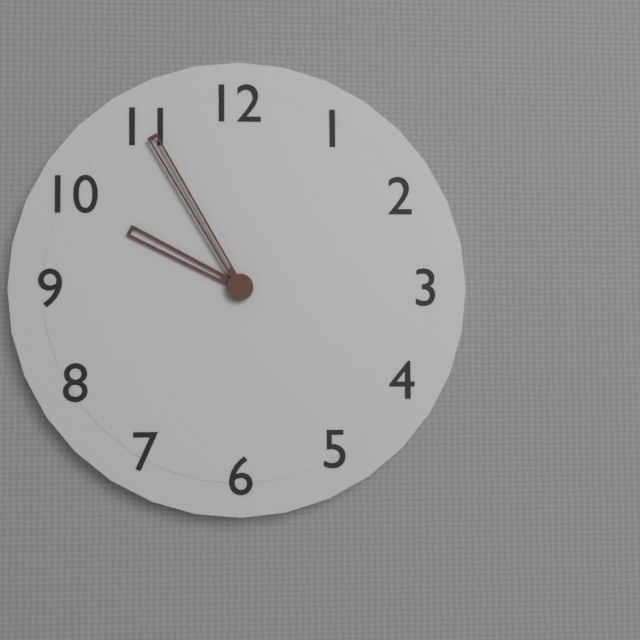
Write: 9,55
